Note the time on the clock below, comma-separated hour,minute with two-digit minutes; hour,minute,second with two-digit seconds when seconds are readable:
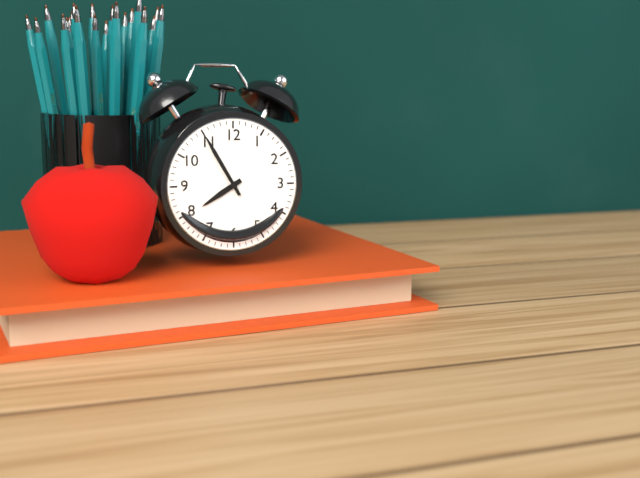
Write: 7,55
